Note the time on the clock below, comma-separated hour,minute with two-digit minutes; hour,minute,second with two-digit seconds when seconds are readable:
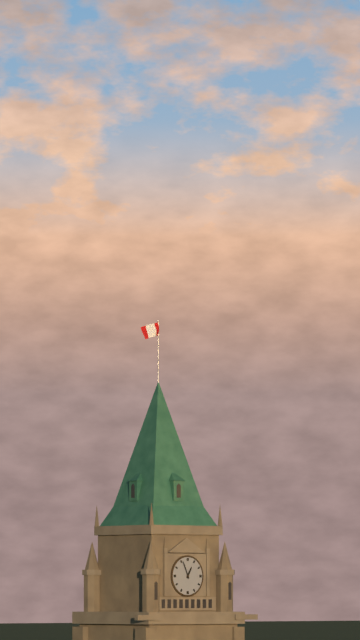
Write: 12,56
